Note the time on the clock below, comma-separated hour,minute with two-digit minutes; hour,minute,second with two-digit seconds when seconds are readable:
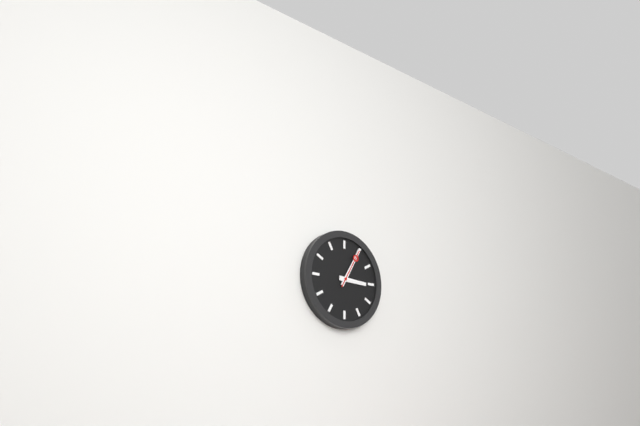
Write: 3,05
